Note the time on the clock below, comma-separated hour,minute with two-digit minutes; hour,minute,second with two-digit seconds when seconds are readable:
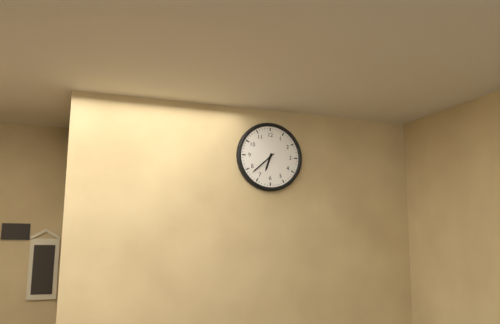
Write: 6,38
